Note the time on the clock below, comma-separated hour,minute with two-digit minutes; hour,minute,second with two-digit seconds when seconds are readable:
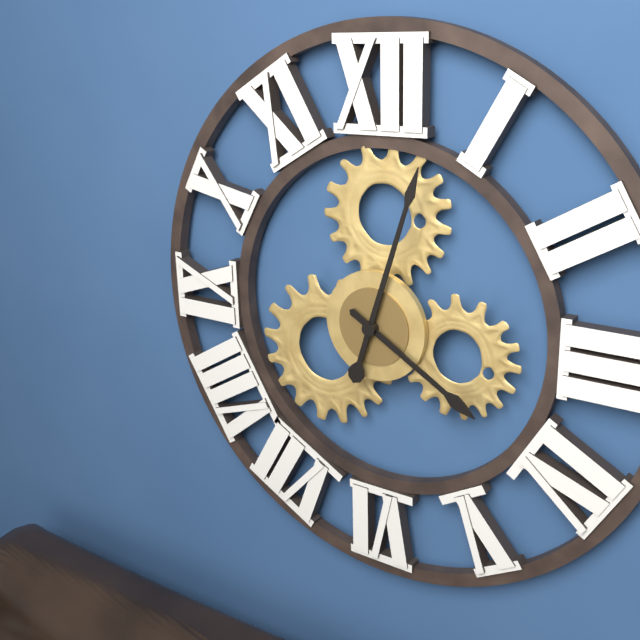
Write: 4,03
